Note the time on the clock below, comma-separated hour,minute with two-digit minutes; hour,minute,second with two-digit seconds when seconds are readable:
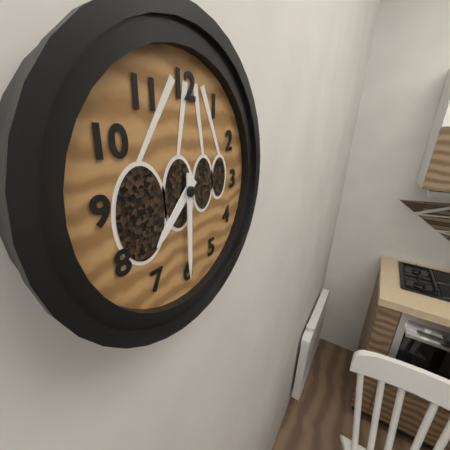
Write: 7,30
